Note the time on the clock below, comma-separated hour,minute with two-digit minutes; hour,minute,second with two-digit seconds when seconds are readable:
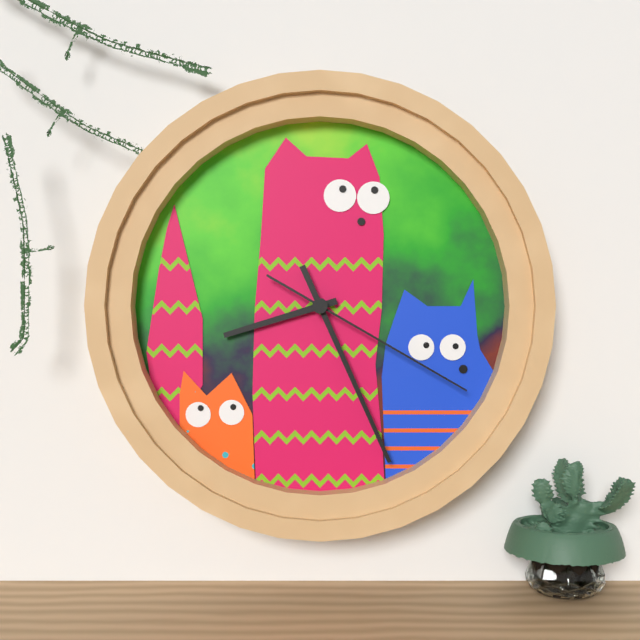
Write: 8,26,20
